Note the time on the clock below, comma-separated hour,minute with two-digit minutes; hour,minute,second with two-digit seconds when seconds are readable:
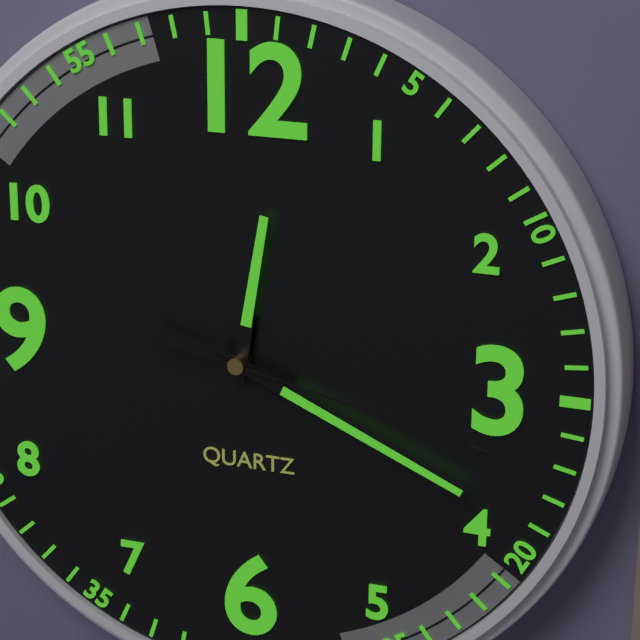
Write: 12,19,17
